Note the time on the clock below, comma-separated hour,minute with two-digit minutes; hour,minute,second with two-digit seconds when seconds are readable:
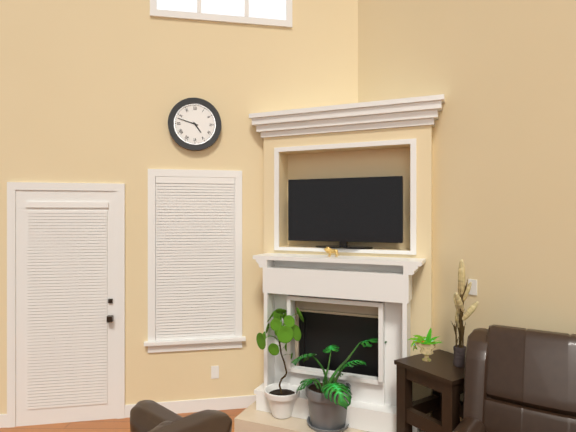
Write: 4,48
